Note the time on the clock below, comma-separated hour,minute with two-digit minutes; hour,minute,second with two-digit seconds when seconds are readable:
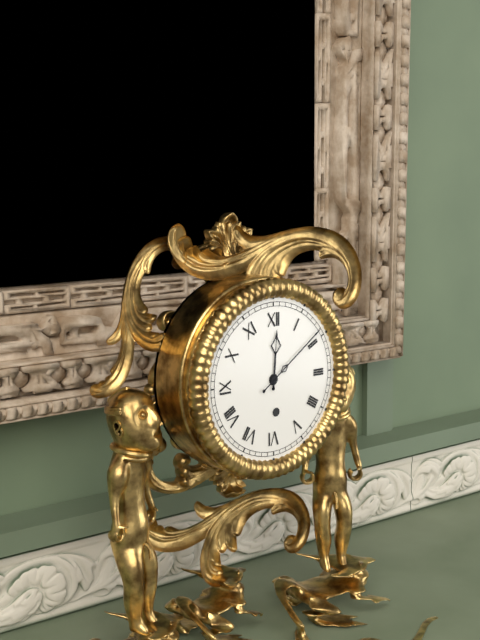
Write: 12,09
